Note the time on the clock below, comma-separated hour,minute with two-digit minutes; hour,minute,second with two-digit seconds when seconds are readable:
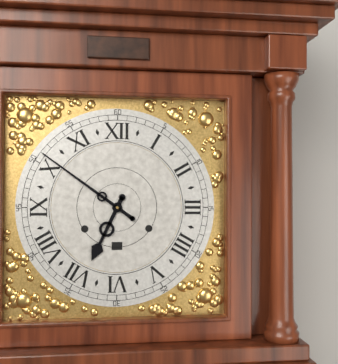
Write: 6,51
